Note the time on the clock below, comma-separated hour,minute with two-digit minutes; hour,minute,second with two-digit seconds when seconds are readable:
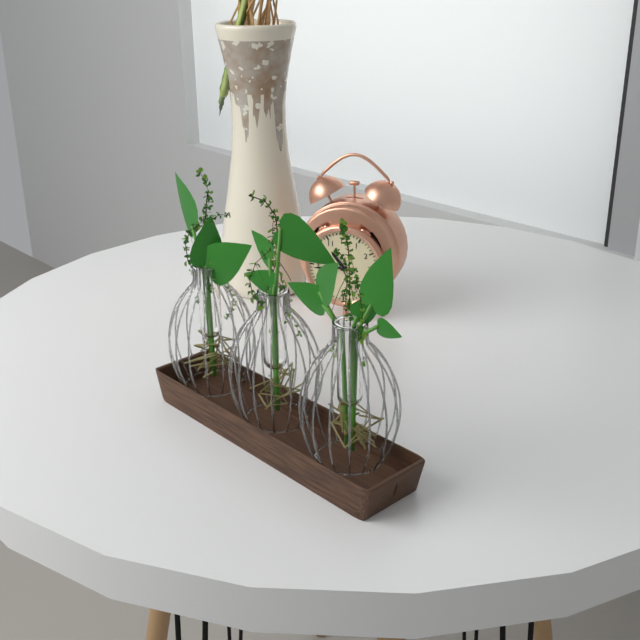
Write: 10,44
